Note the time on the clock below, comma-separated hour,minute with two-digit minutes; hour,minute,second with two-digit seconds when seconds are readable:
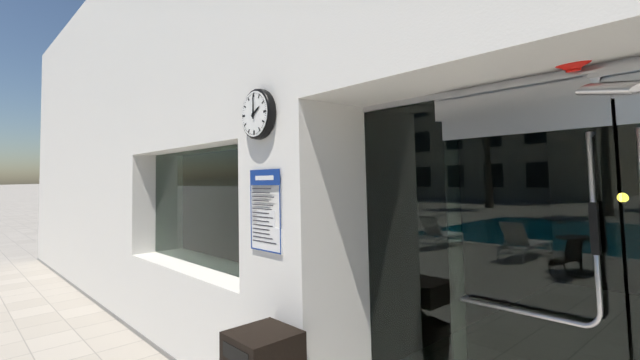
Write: 2,00
